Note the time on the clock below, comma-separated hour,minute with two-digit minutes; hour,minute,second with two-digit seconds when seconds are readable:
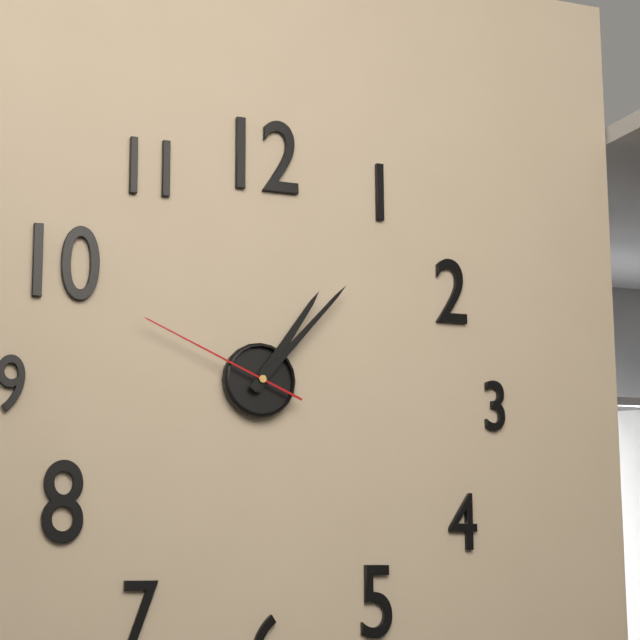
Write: 1,07,49
